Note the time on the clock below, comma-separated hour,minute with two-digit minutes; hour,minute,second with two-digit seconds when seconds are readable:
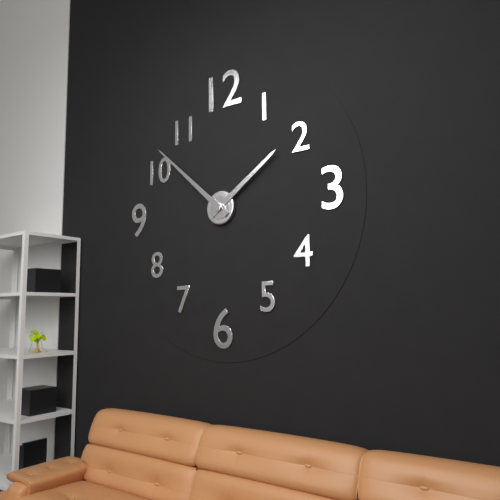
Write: 1,52
